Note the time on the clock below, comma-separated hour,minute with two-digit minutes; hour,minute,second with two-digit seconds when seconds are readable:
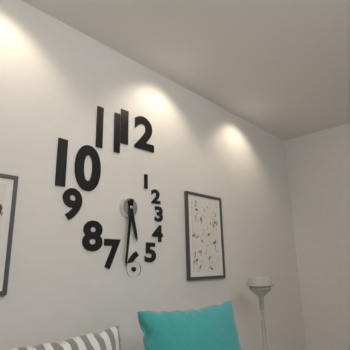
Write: 5,31
